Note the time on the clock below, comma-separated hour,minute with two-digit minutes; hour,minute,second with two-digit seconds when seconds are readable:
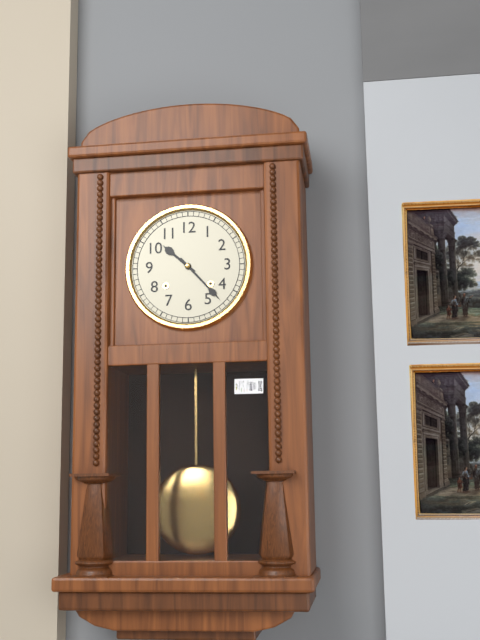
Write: 10,23
